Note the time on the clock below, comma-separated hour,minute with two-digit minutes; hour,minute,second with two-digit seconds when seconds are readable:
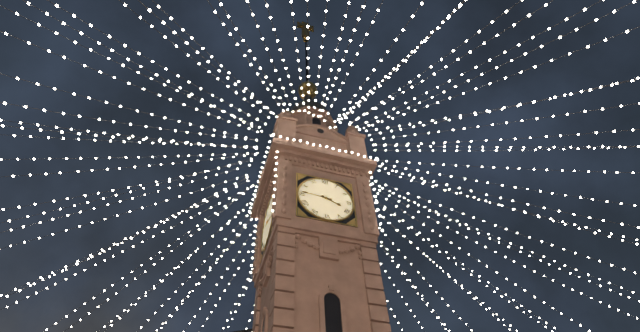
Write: 3,46
